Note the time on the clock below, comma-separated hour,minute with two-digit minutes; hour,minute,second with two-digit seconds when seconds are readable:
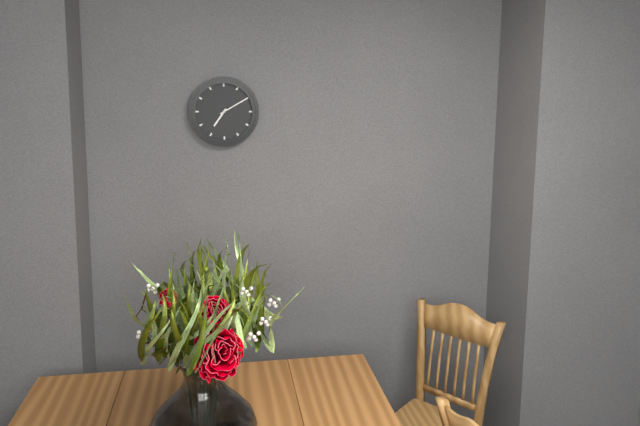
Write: 7,10
